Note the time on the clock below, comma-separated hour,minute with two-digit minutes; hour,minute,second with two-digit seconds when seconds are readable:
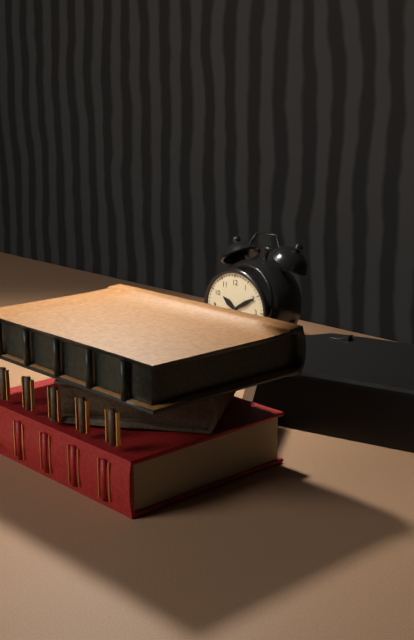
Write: 10,10
